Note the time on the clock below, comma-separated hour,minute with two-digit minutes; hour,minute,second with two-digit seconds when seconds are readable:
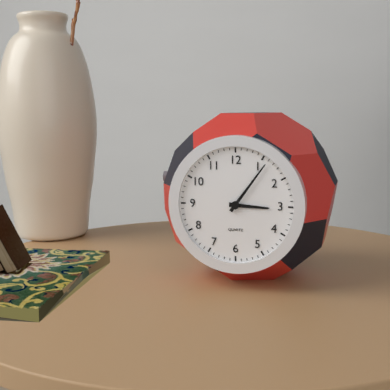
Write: 3,06
